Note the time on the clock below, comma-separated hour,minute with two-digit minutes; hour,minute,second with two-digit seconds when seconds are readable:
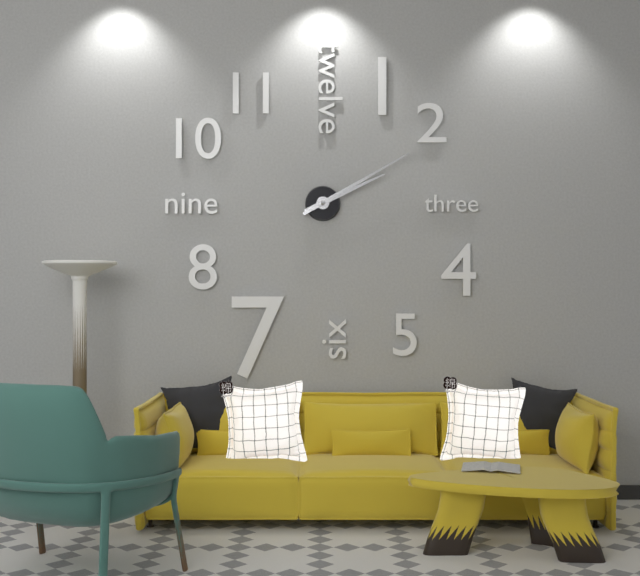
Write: 2,10
